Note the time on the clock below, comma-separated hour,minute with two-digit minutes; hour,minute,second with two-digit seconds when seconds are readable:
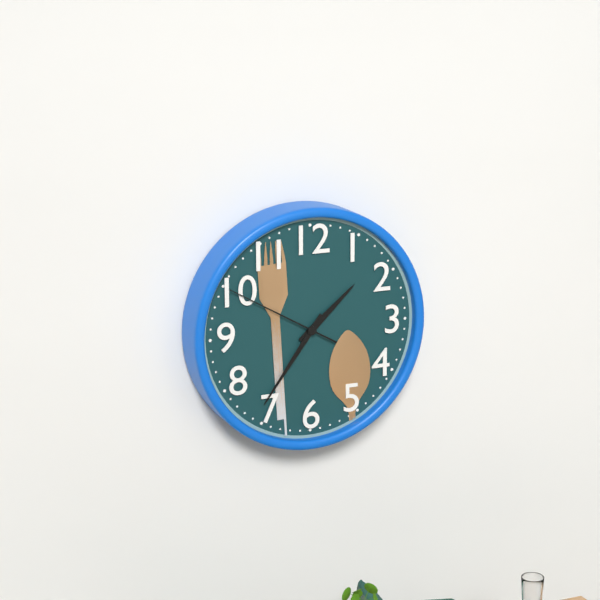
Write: 1,36,50
